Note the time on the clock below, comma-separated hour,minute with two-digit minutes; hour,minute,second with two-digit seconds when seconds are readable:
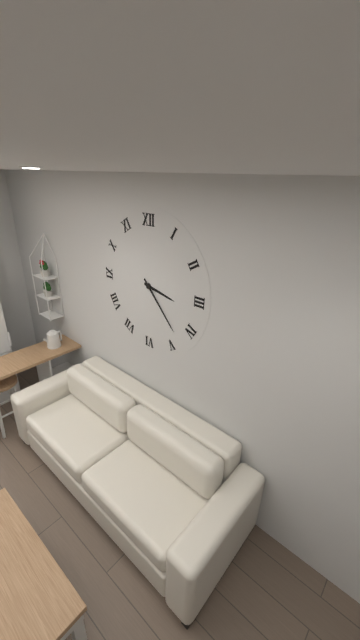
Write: 3,23
